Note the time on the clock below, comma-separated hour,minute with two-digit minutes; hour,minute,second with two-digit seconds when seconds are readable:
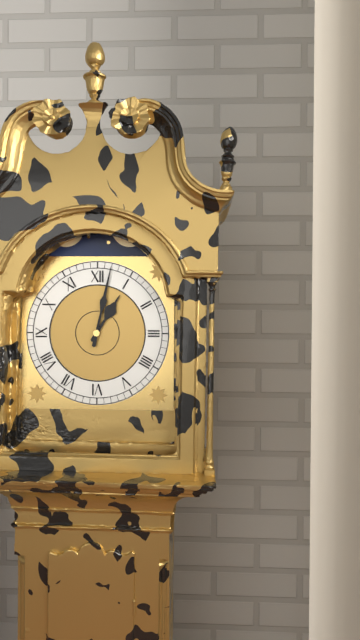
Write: 1,02
